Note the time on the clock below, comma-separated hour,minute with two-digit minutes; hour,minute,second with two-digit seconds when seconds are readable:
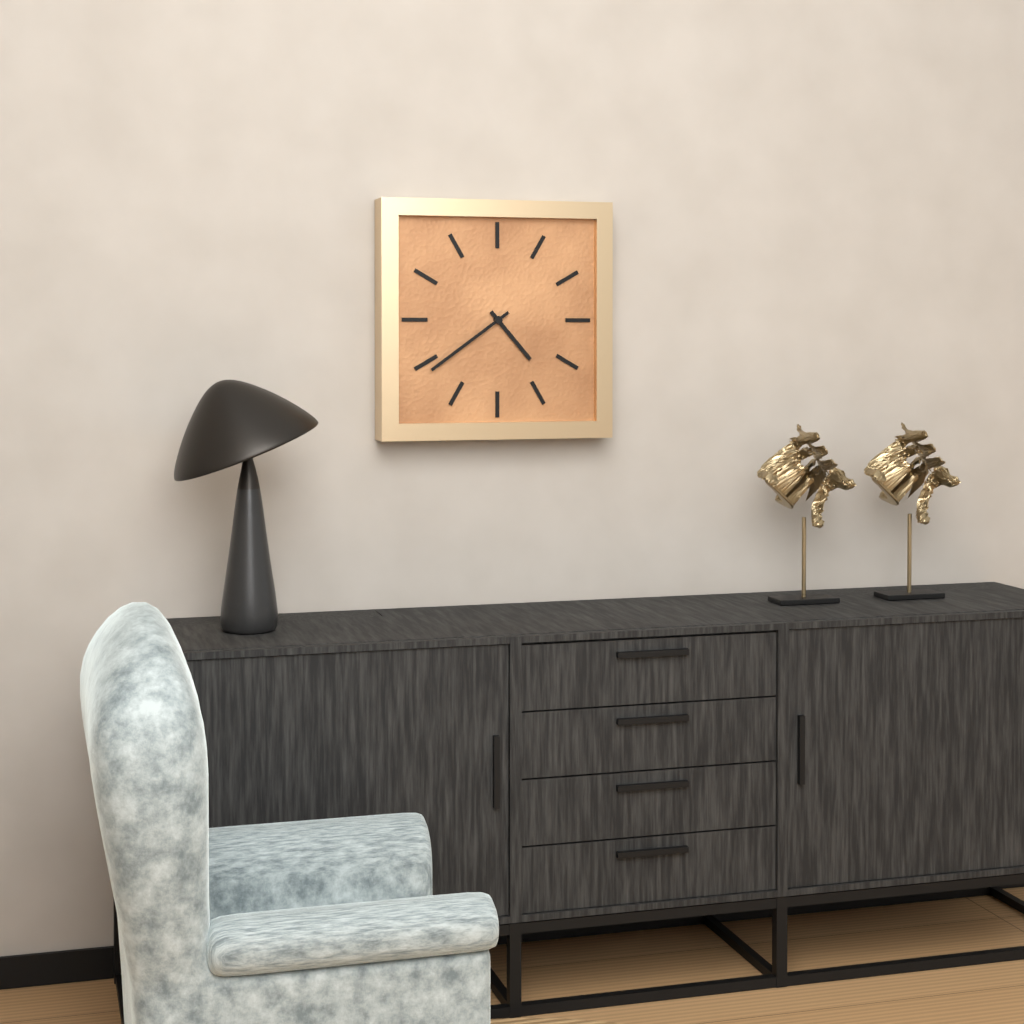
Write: 4,39
